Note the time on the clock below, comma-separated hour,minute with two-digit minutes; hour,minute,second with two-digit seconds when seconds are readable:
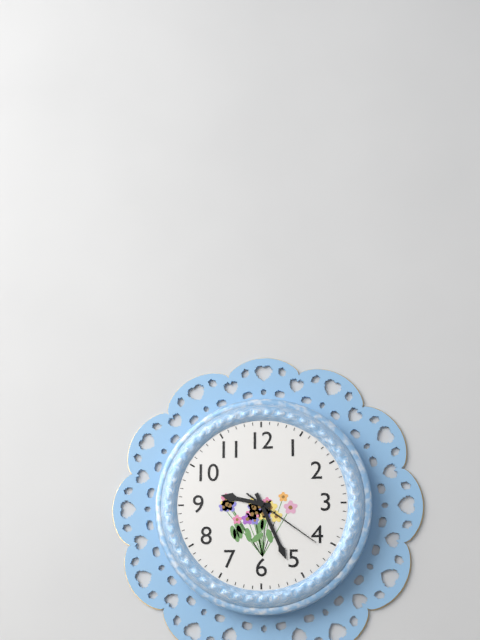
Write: 9,26,21
